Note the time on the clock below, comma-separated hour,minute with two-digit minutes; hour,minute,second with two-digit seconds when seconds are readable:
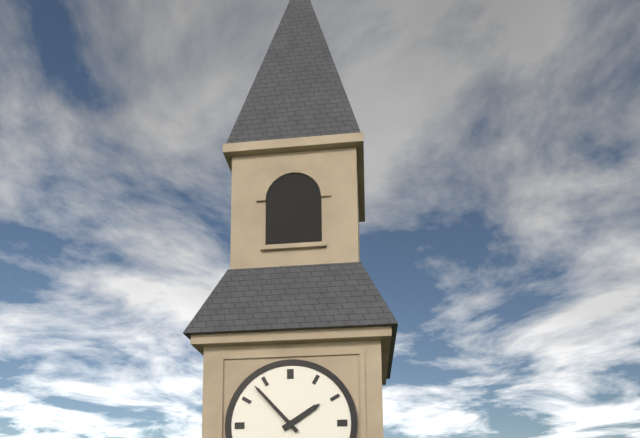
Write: 1,53
